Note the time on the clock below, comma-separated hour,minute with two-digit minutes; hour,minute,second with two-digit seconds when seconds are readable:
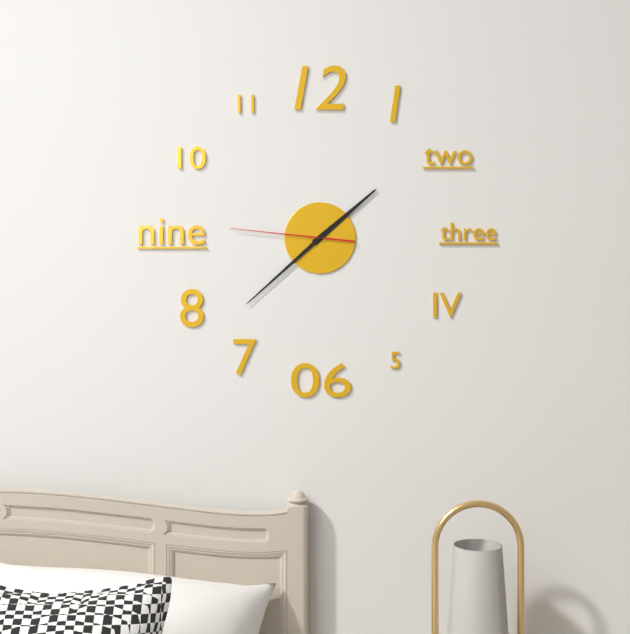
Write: 1,38,46
